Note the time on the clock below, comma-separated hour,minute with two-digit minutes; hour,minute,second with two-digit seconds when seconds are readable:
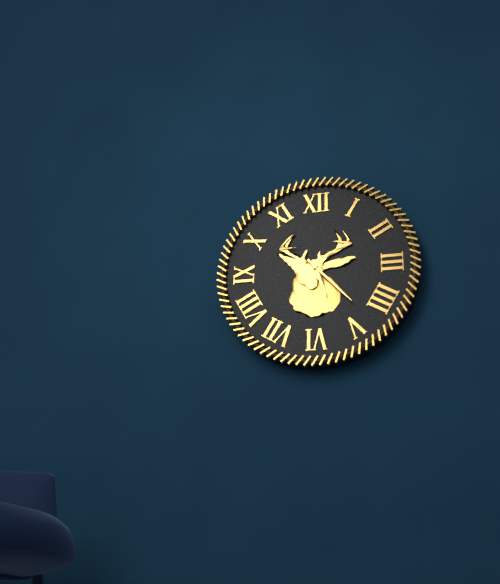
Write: 5,23
